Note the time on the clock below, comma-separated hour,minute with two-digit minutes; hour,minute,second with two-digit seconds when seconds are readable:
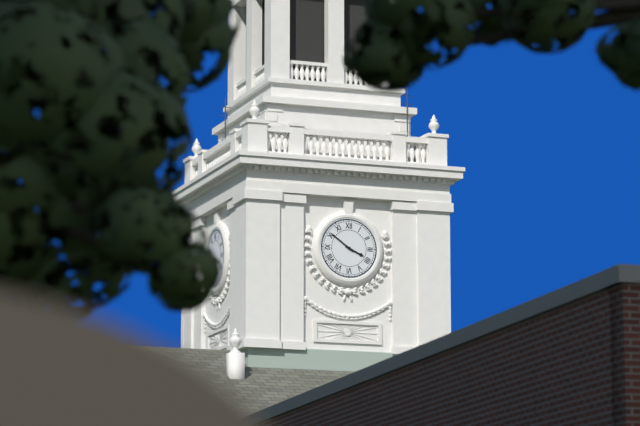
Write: 3,51
